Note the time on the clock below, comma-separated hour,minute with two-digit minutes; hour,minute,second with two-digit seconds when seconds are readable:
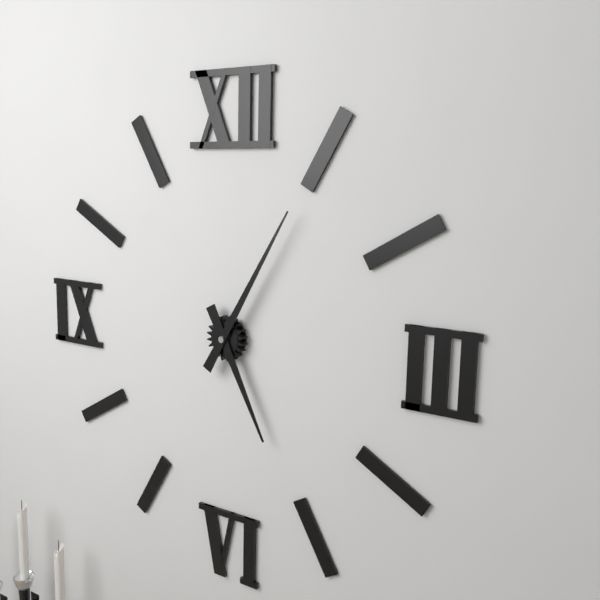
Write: 5,05
